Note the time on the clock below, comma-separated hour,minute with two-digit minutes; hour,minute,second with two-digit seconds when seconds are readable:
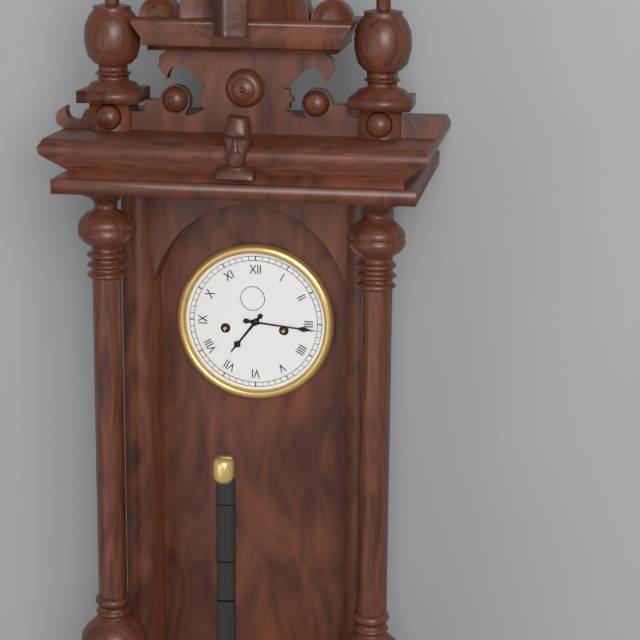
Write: 7,16
